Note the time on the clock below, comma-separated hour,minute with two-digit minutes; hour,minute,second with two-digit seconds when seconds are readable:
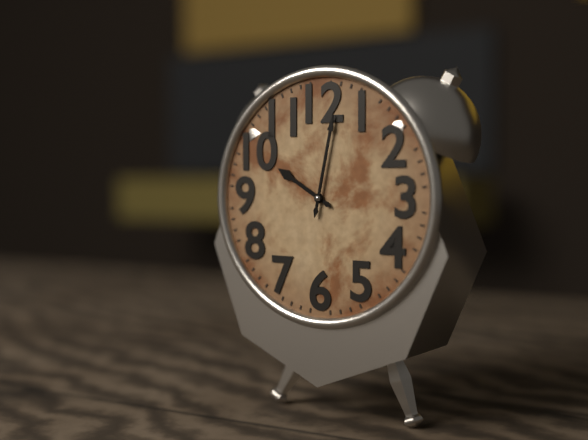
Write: 10,02
